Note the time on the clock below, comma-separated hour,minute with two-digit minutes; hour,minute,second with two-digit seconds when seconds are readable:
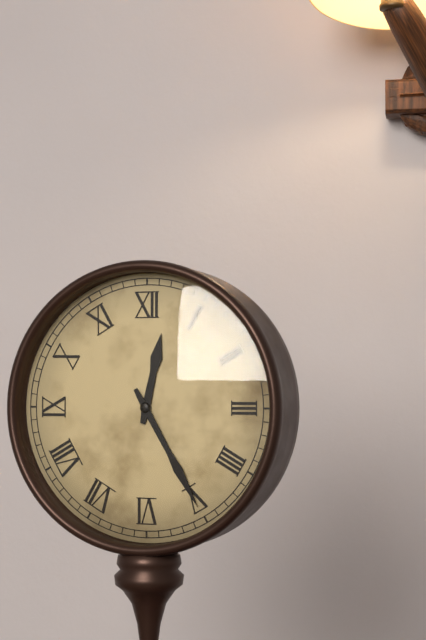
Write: 12,25
